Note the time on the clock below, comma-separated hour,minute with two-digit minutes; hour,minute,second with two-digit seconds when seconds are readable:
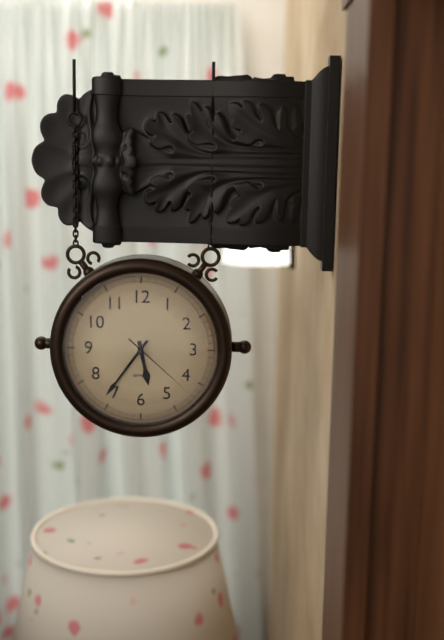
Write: 5,36,22
